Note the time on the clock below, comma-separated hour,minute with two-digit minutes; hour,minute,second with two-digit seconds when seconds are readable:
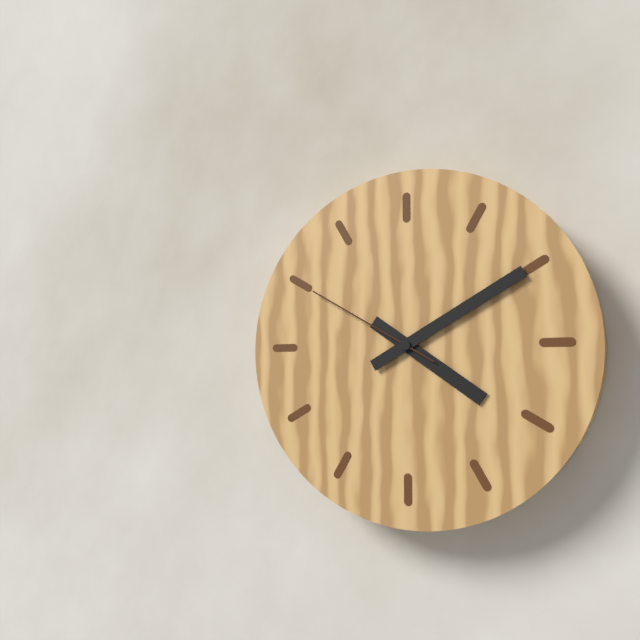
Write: 4,10,50
